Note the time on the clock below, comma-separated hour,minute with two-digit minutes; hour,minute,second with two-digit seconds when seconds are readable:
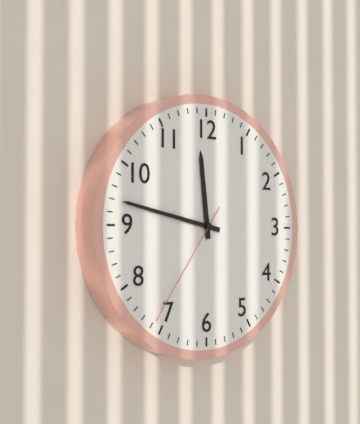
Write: 11,47,36
